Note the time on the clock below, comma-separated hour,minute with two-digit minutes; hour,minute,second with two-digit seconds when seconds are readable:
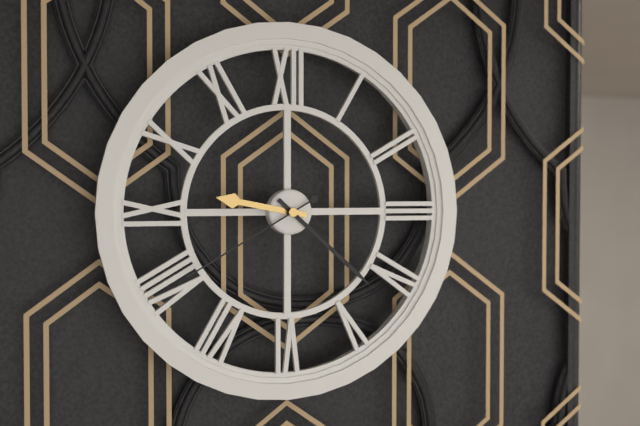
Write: 9,22,40
